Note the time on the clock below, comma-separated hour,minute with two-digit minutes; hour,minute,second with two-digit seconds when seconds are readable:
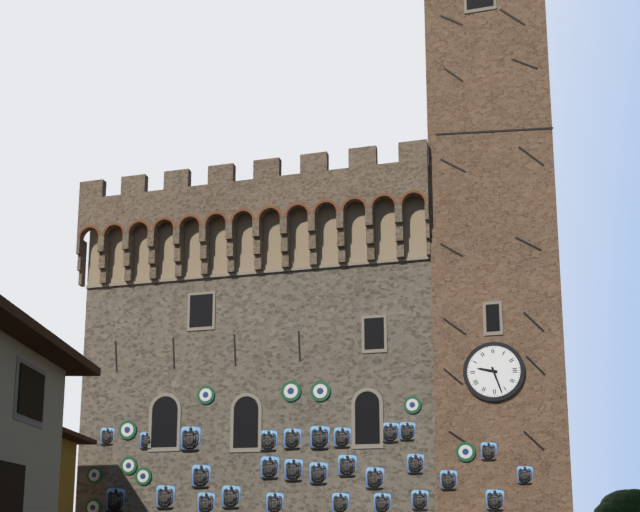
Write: 9,27
